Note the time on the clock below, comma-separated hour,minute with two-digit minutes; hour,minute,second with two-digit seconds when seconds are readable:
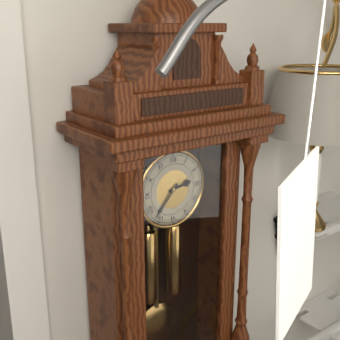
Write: 2,37
